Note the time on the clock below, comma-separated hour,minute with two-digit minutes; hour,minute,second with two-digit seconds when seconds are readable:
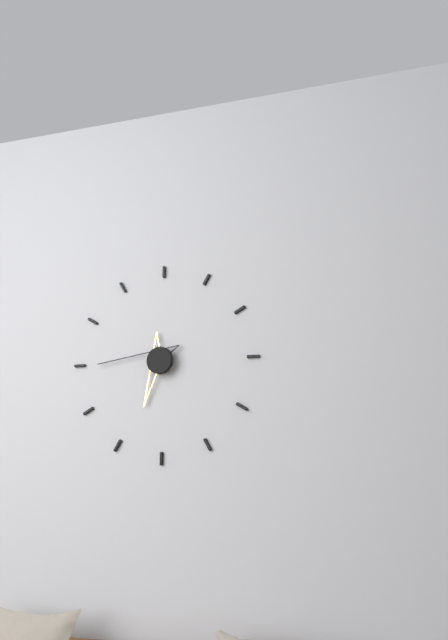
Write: 6,45
